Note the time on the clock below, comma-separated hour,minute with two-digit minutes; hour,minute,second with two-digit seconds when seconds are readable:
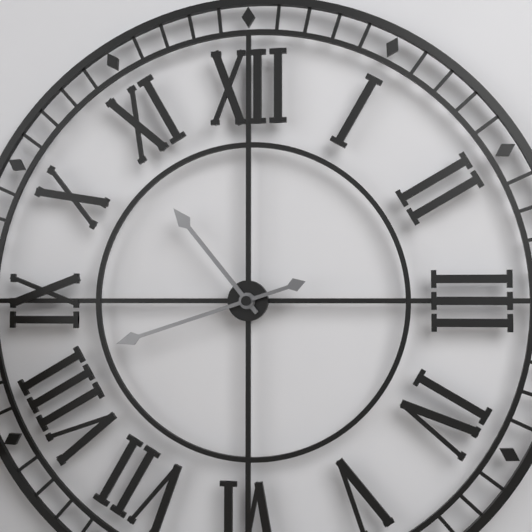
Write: 10,42
